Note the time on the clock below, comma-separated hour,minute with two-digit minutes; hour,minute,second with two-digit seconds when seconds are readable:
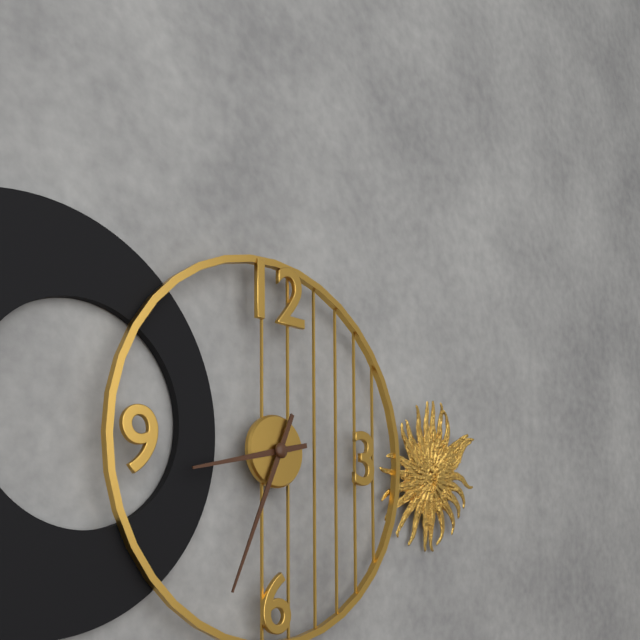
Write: 8,34
